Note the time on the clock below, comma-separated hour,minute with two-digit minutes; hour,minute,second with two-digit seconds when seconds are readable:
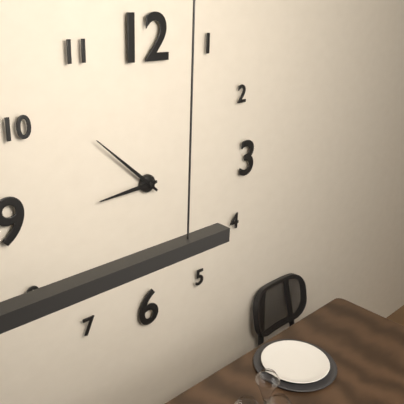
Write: 8,52
